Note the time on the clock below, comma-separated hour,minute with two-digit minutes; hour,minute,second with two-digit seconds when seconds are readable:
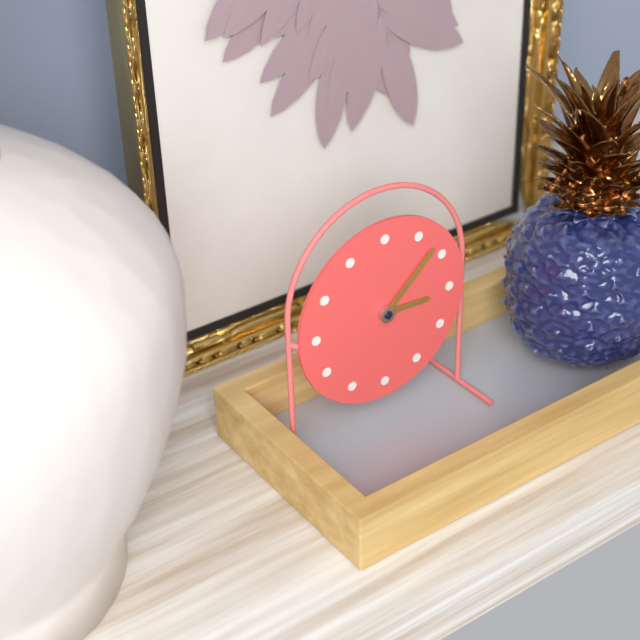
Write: 3,08
